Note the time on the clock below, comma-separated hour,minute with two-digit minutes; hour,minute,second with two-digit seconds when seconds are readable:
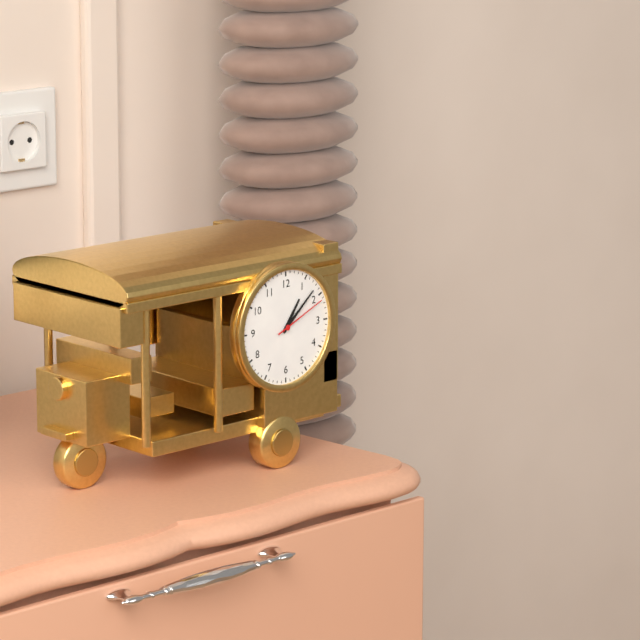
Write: 1,08,11
